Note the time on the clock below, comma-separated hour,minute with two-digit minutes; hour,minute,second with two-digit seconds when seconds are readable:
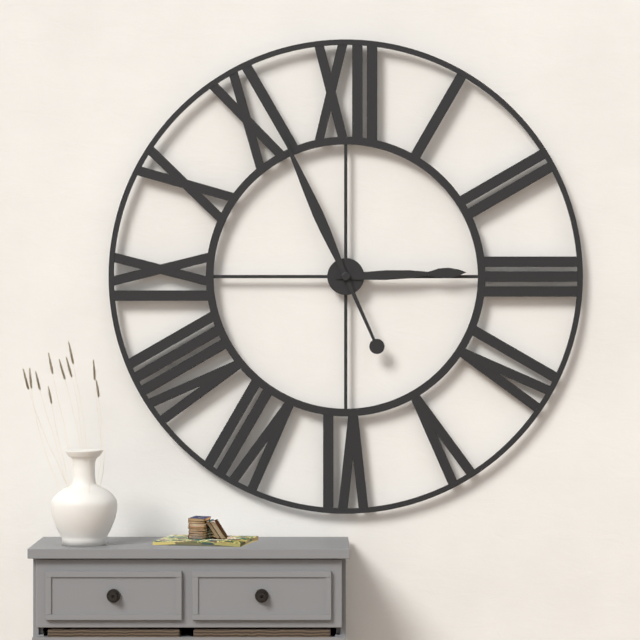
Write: 2,56
